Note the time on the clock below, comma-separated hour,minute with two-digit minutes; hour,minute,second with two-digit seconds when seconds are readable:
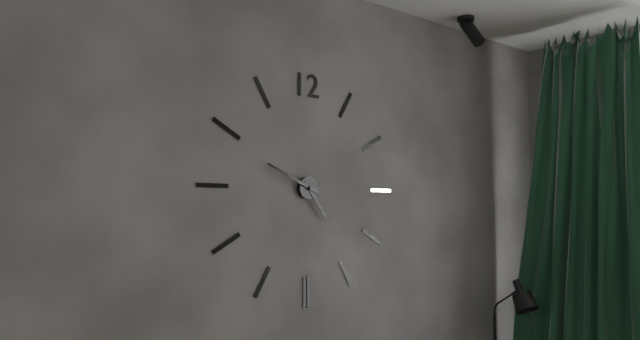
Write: 4,49
